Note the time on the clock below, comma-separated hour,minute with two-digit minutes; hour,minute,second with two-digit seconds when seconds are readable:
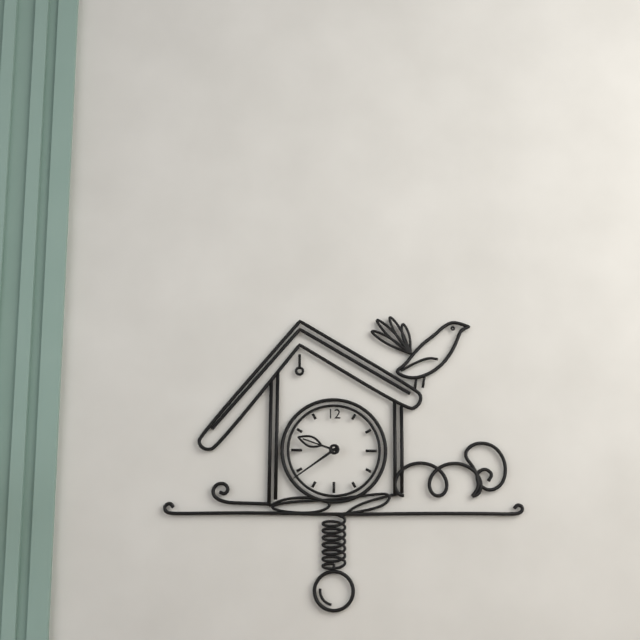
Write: 9,39
